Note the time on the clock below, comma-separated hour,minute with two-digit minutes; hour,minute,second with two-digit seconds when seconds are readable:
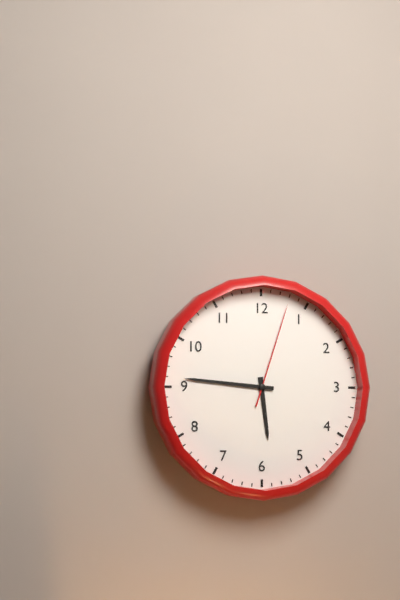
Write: 5,46,03
